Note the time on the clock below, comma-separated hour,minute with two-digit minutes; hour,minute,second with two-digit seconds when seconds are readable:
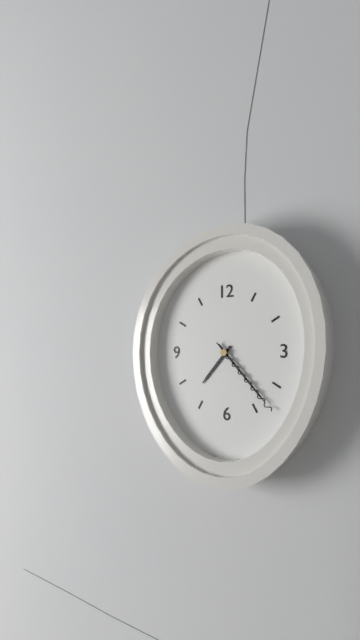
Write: 7,23,23
